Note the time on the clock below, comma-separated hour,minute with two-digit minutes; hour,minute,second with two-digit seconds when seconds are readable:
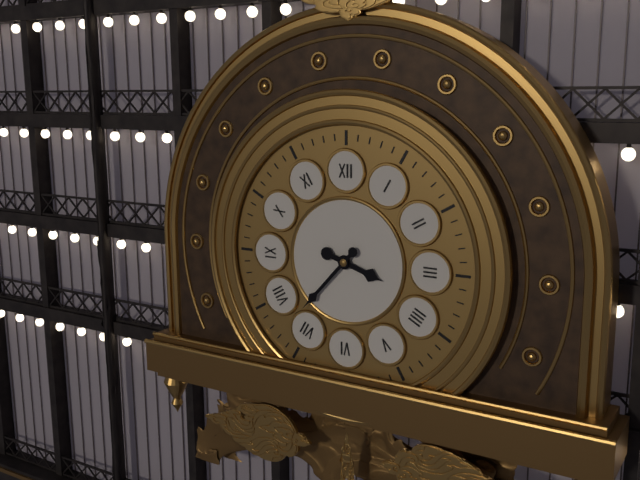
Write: 3,37
